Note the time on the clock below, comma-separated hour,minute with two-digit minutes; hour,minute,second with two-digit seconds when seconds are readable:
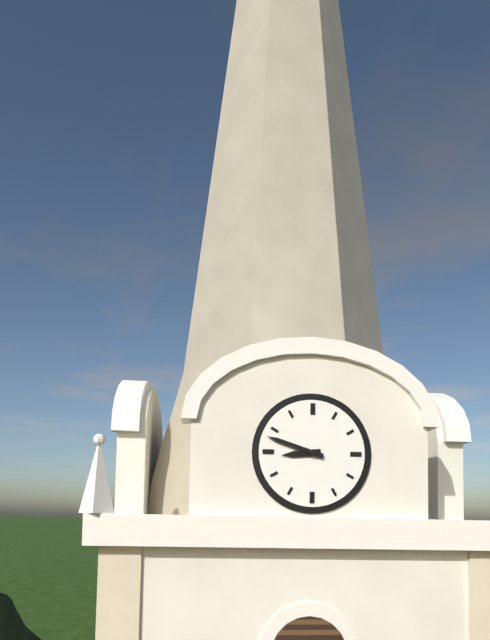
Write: 8,48
